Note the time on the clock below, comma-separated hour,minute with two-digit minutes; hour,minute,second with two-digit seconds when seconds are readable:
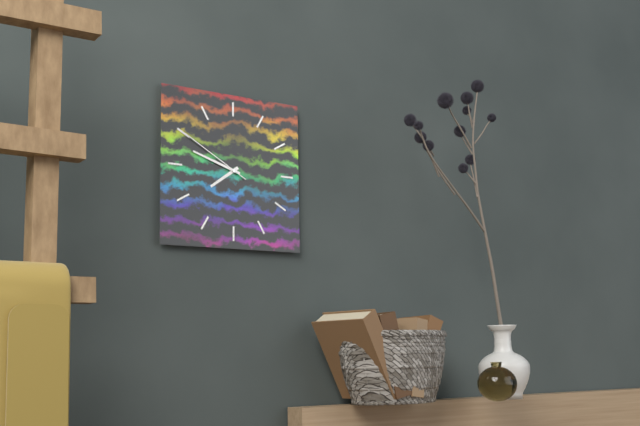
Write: 7,48,50
